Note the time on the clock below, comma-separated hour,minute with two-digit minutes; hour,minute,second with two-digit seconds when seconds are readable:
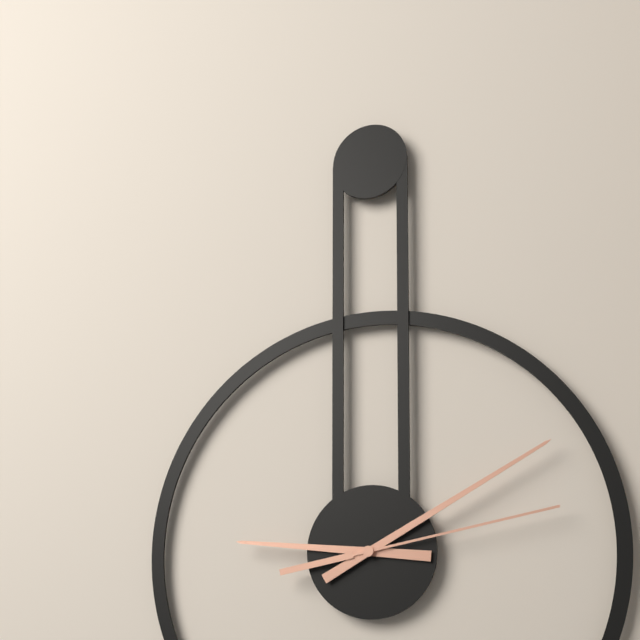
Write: 9,10,13
